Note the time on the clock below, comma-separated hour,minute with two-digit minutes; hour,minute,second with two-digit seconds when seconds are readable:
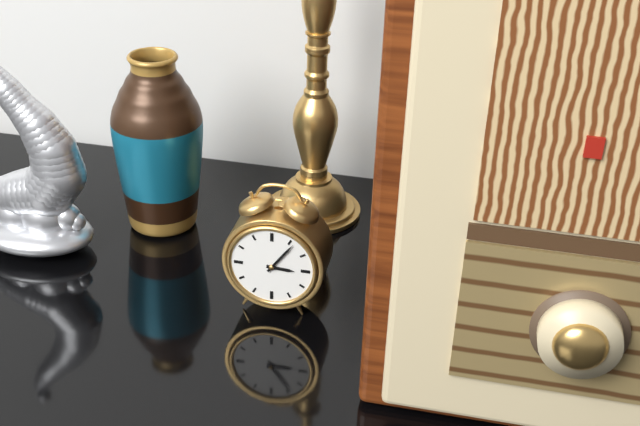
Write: 3,06
